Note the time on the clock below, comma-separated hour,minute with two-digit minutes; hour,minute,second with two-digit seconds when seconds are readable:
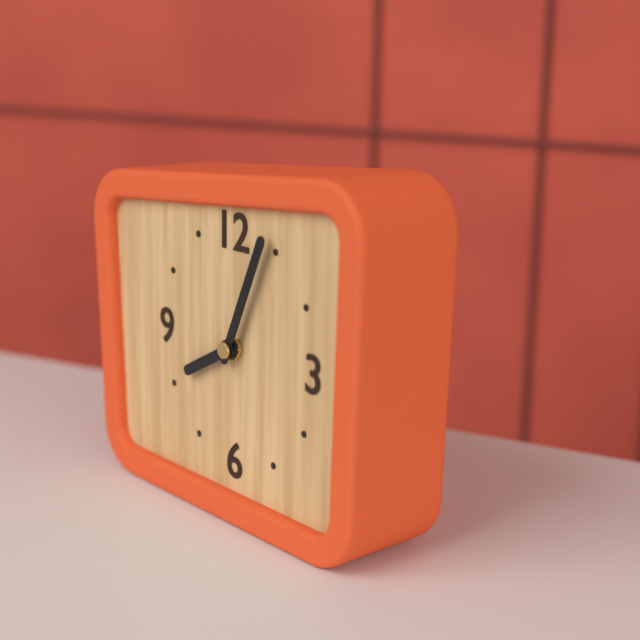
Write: 8,04
